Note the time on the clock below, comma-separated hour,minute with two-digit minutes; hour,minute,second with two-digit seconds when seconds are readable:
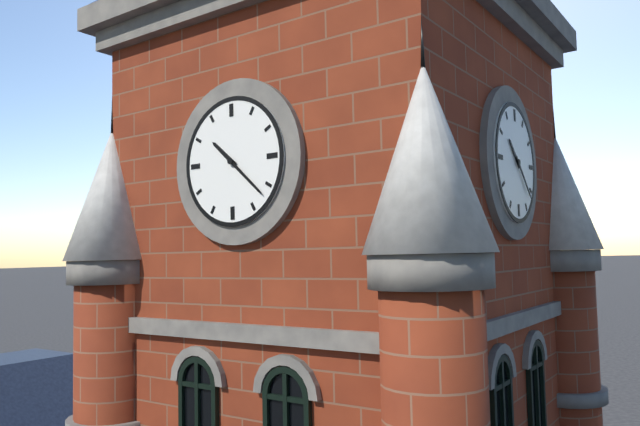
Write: 10,22
